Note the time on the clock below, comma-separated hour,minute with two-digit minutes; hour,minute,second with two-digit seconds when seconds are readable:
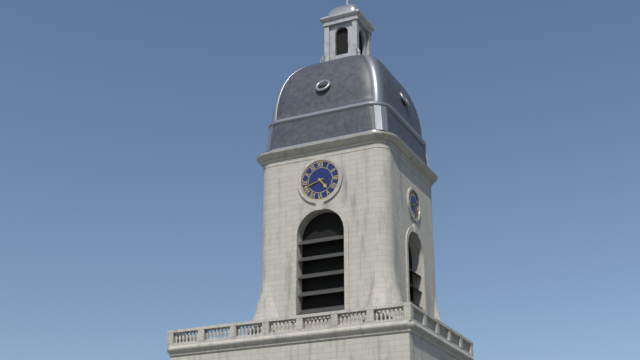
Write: 4,42
